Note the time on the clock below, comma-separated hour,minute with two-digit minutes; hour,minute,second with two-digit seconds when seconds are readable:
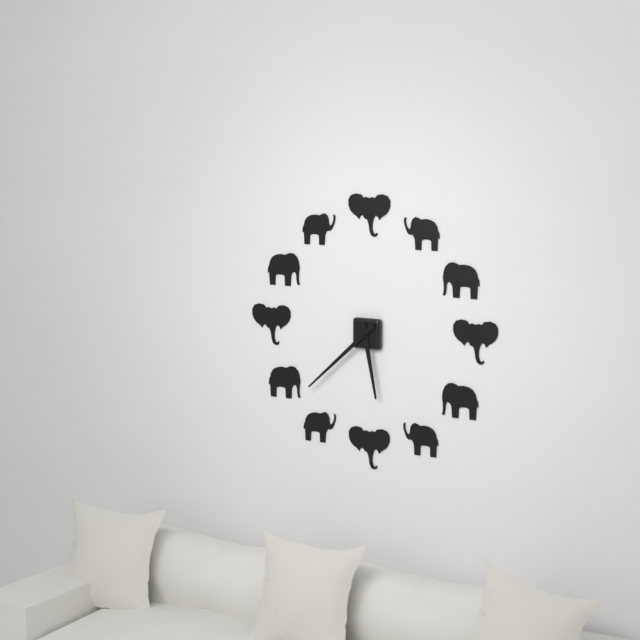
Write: 5,38
